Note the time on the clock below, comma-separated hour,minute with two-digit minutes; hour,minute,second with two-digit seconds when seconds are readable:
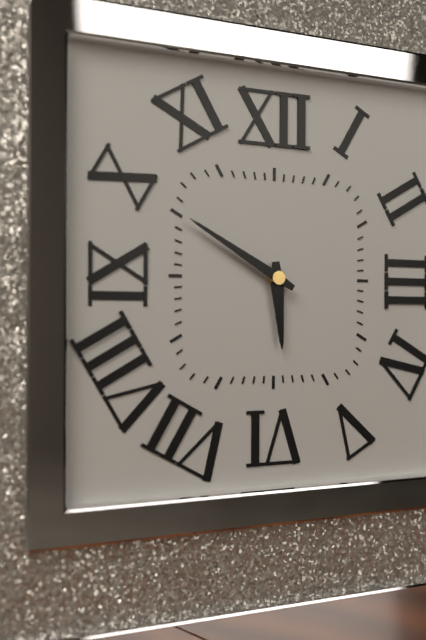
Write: 5,50
